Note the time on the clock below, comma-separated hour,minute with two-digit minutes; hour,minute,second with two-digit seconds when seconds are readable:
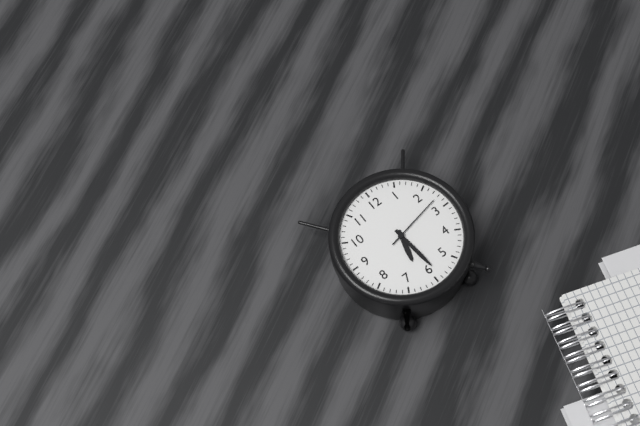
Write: 6,29,13
